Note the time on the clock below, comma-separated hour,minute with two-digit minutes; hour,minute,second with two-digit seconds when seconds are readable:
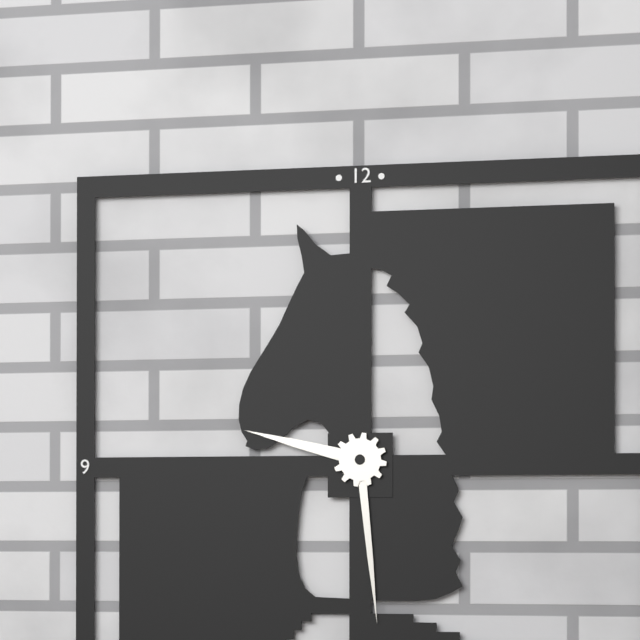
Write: 9,29
